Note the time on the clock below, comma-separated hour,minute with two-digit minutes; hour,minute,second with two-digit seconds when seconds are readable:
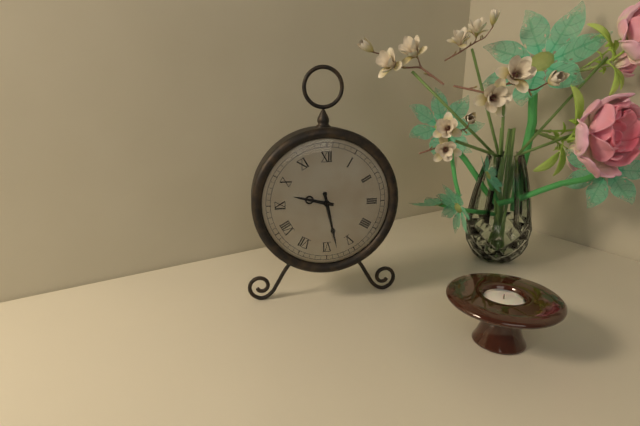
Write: 9,28
